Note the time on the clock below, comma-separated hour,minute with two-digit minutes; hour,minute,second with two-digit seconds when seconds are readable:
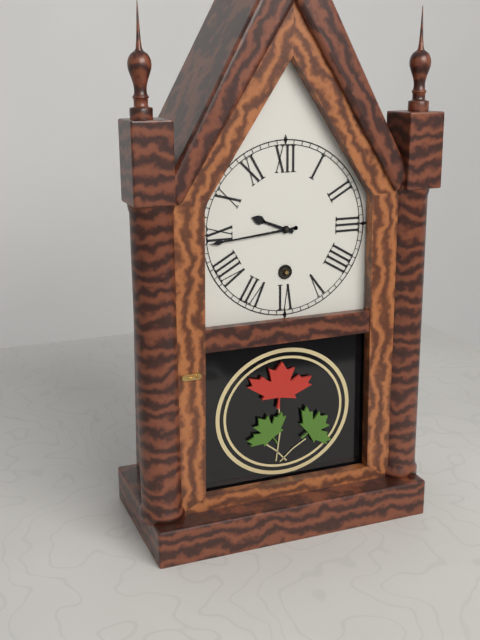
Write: 9,44
